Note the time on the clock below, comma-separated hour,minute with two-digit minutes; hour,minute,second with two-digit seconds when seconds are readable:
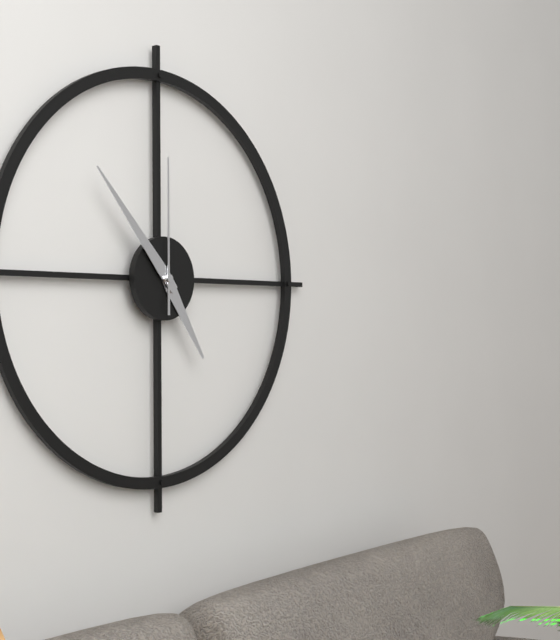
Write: 4,53,00
